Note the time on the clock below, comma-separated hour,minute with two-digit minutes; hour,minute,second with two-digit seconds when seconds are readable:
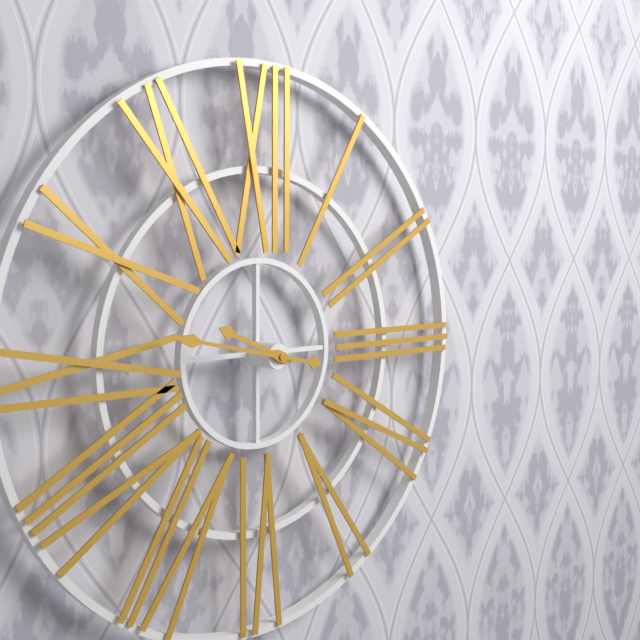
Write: 9,47
